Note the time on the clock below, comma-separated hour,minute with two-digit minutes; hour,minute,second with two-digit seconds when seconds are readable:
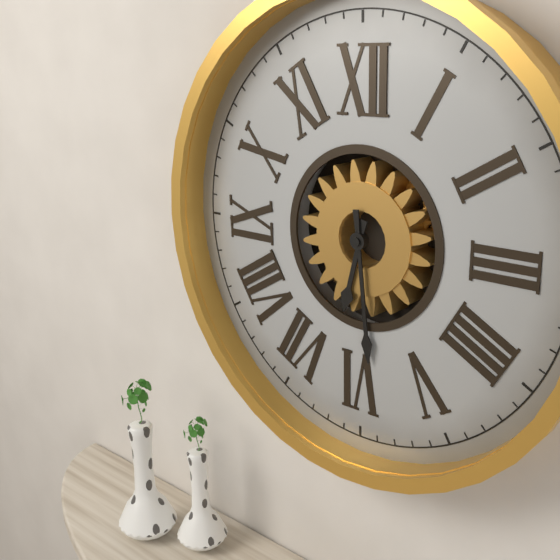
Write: 6,29
